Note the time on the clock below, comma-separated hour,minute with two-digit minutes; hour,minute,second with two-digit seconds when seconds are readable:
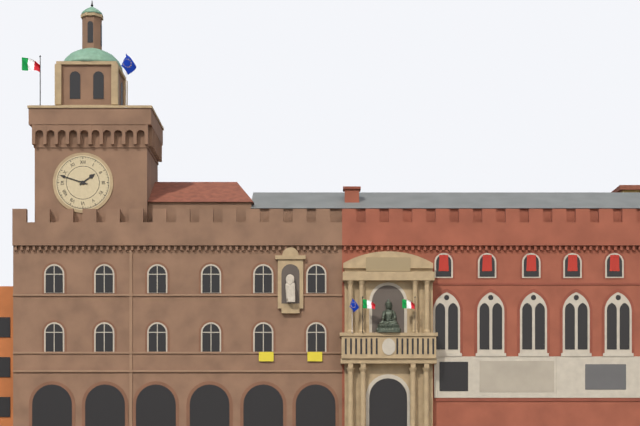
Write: 1,48
